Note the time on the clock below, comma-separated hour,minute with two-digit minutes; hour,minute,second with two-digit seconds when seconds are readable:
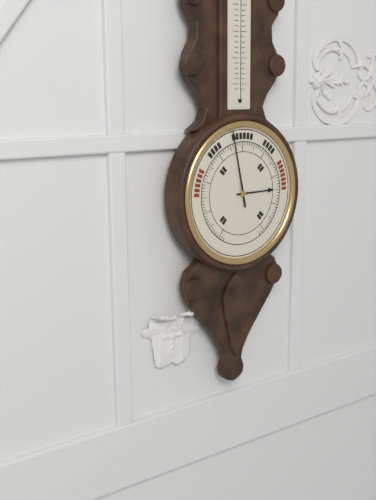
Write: 2,58
